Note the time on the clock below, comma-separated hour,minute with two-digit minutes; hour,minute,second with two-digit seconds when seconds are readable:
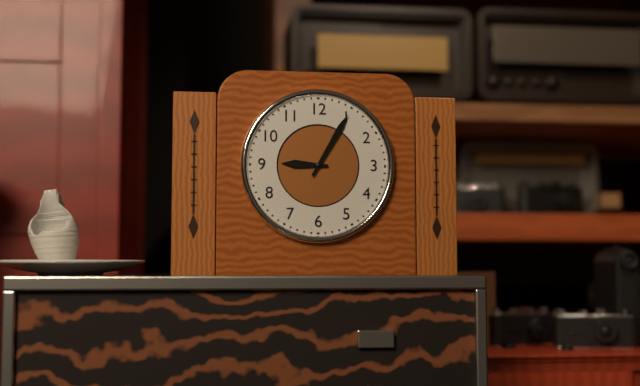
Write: 9,05
